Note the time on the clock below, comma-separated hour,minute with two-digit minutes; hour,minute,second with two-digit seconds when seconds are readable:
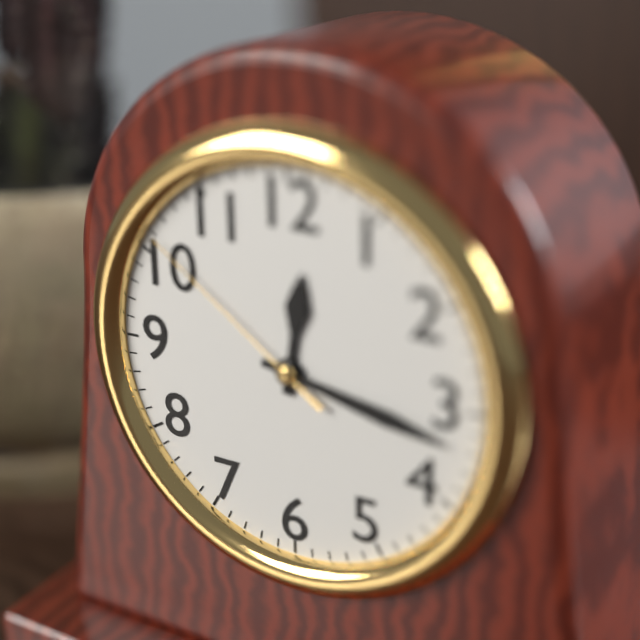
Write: 12,17,51
